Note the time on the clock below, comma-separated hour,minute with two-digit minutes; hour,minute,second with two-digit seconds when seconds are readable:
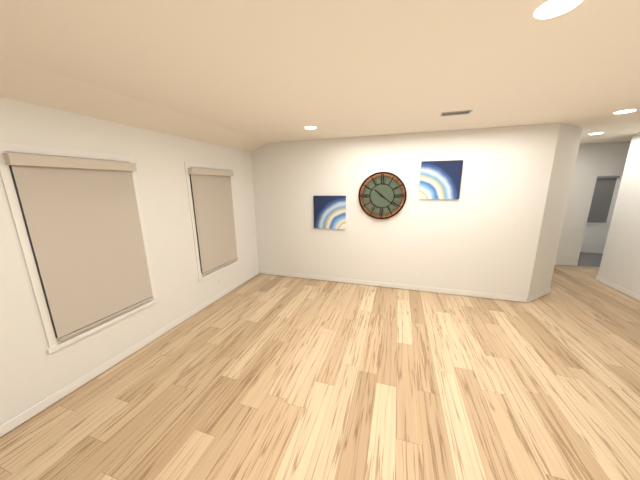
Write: 10,21
